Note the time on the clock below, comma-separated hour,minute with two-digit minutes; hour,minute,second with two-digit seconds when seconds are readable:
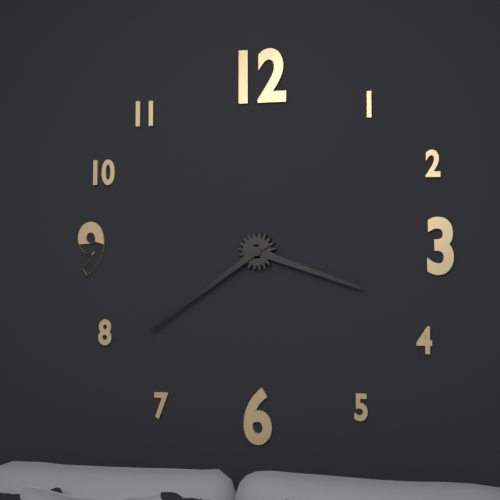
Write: 3,39
